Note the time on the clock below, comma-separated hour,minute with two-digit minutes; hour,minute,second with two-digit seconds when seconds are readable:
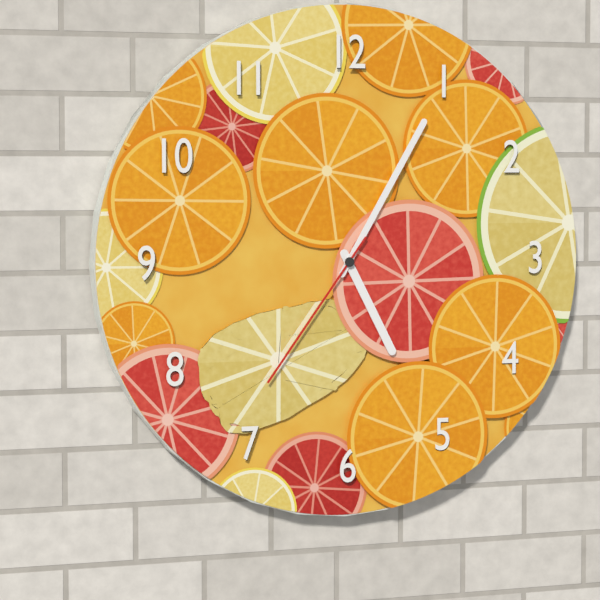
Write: 5,05,36
